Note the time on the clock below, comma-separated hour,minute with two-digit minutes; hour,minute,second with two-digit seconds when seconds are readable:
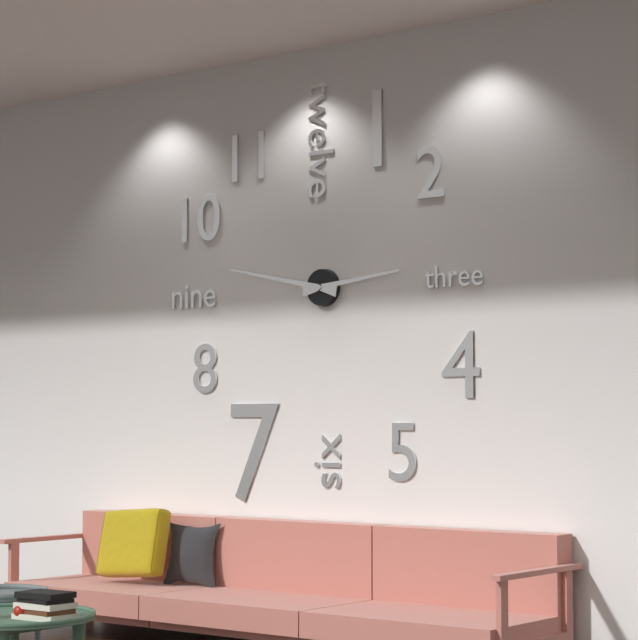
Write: 2,47
